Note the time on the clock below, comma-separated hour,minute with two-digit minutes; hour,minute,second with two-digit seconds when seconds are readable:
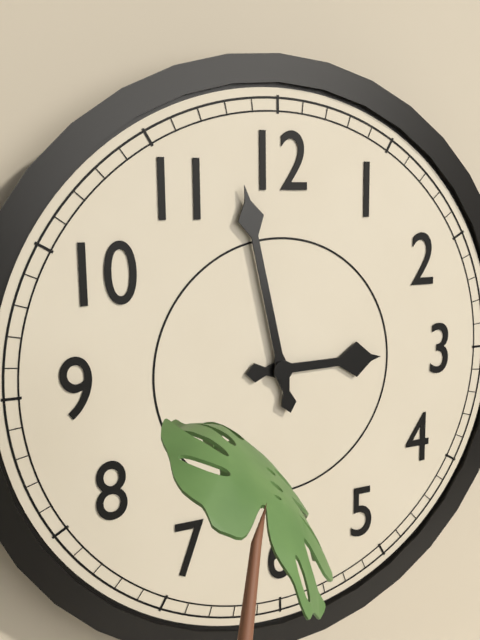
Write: 2,58
